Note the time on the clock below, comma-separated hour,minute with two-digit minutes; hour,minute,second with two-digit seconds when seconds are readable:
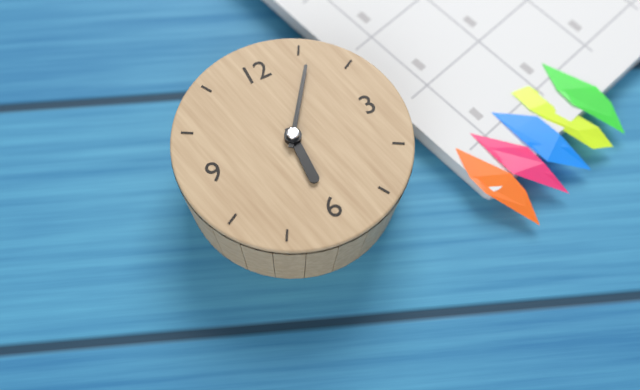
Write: 6,06
